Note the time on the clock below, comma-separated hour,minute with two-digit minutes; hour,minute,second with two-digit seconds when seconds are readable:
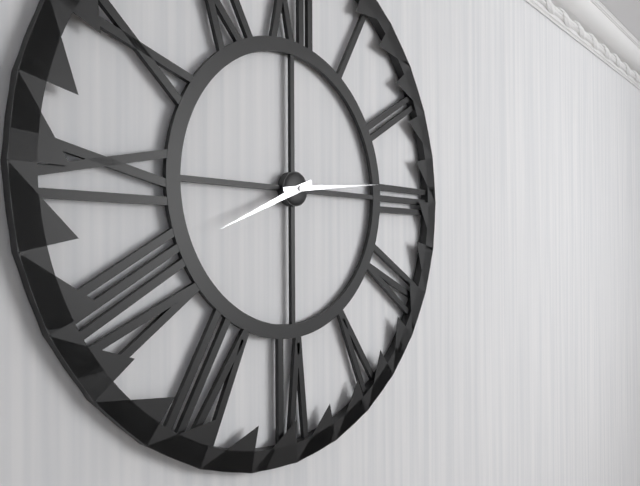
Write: 8,14
